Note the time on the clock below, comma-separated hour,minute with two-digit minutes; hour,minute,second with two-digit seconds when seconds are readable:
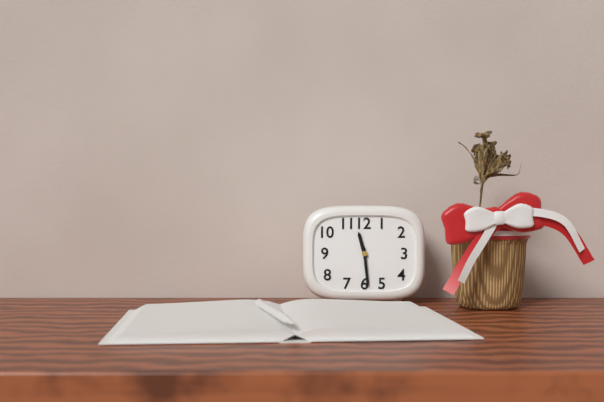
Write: 11,29
